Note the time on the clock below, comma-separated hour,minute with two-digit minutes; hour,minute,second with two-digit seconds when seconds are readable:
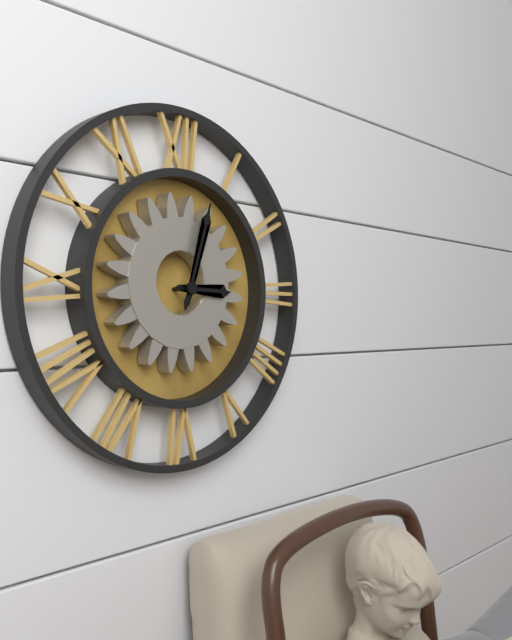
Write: 3,03
